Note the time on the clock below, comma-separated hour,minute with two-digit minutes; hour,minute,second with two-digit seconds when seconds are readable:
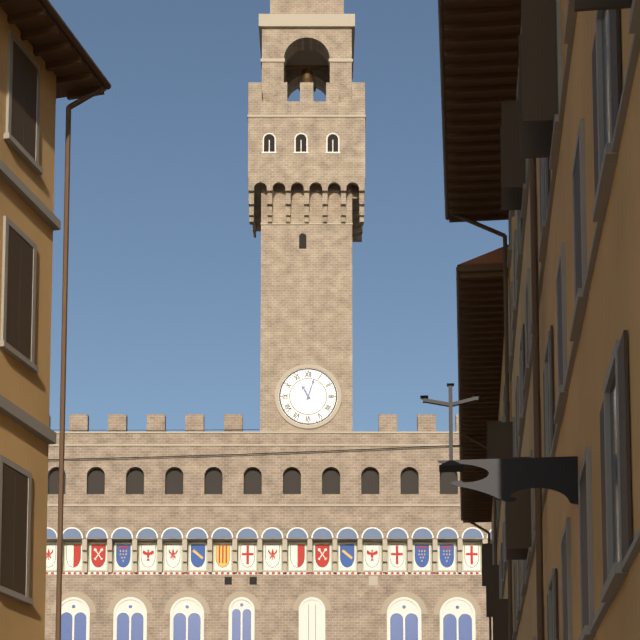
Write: 11,03
